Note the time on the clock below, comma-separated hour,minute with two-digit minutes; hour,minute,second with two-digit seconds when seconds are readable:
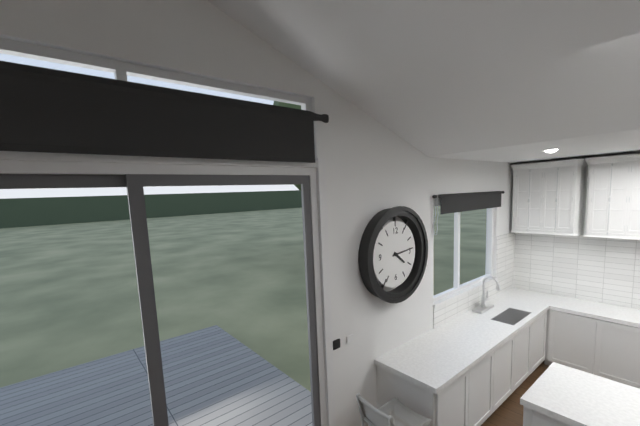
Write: 4,14
